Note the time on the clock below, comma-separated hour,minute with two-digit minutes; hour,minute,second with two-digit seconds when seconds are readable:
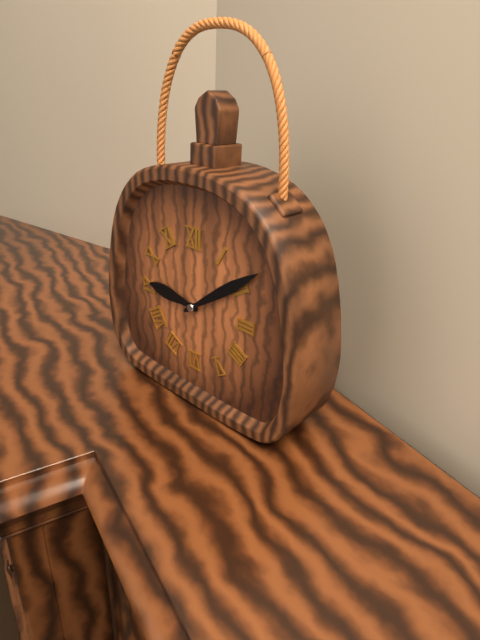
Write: 9,09
